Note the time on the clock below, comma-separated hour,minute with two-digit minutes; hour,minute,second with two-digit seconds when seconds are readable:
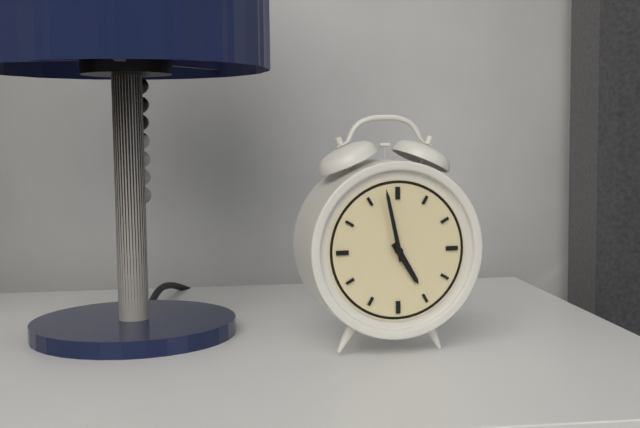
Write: 4,58
